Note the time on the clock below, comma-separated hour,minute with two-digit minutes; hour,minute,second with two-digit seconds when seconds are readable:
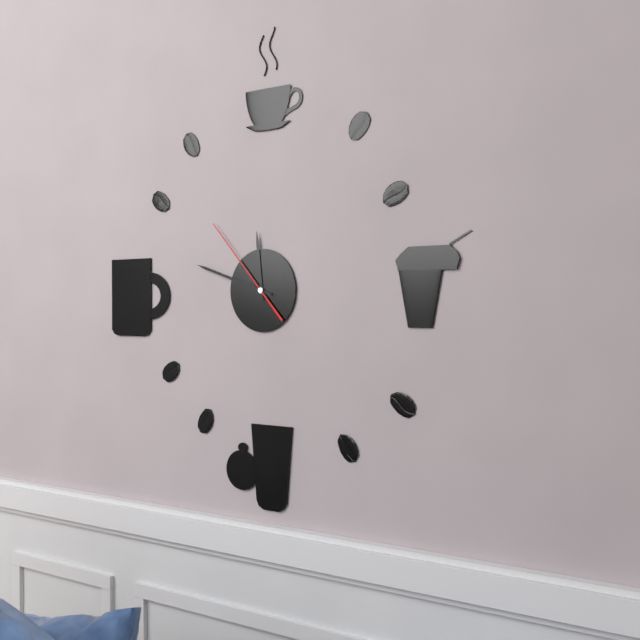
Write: 11,48,53
